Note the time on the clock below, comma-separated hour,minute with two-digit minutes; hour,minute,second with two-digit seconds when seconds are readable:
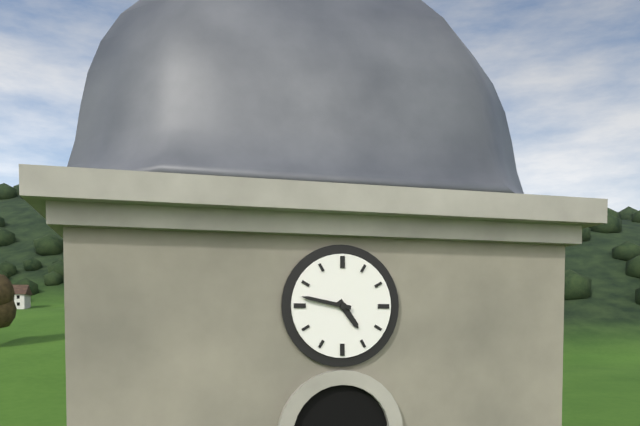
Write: 4,47
